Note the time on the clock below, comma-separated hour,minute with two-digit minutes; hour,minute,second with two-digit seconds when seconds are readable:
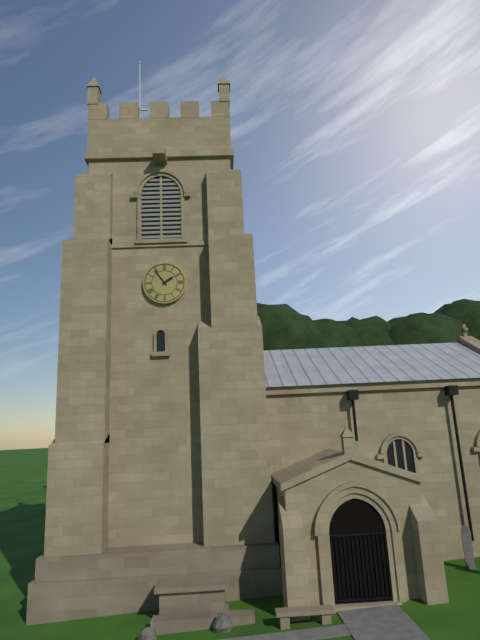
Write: 1,54
